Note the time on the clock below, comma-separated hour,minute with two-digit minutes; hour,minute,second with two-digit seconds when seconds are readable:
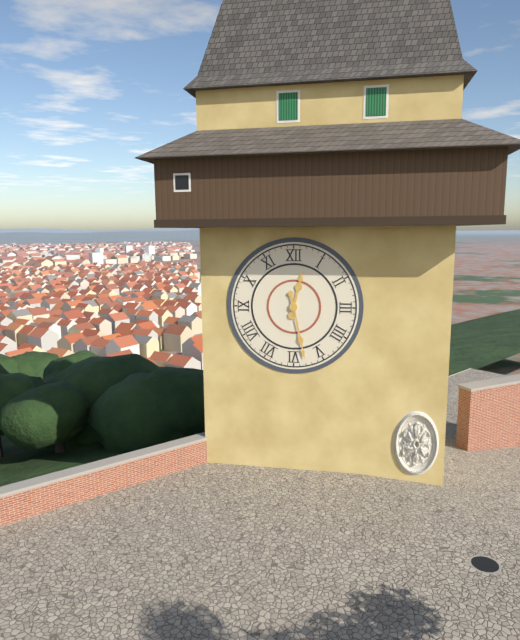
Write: 12,28
